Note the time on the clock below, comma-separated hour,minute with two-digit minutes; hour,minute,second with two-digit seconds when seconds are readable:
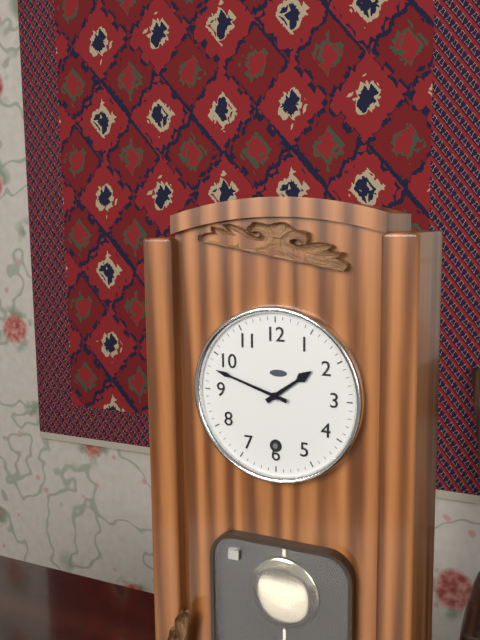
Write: 1,48
